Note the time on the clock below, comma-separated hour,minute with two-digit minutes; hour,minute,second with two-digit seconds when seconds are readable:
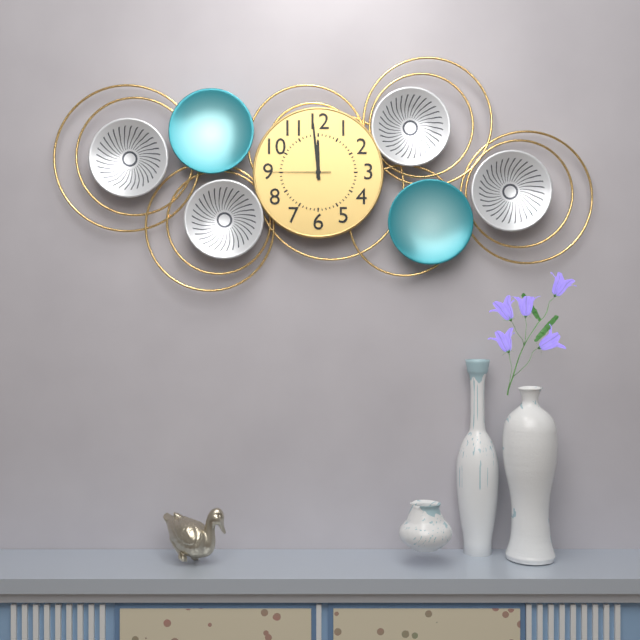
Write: 11,59,45
